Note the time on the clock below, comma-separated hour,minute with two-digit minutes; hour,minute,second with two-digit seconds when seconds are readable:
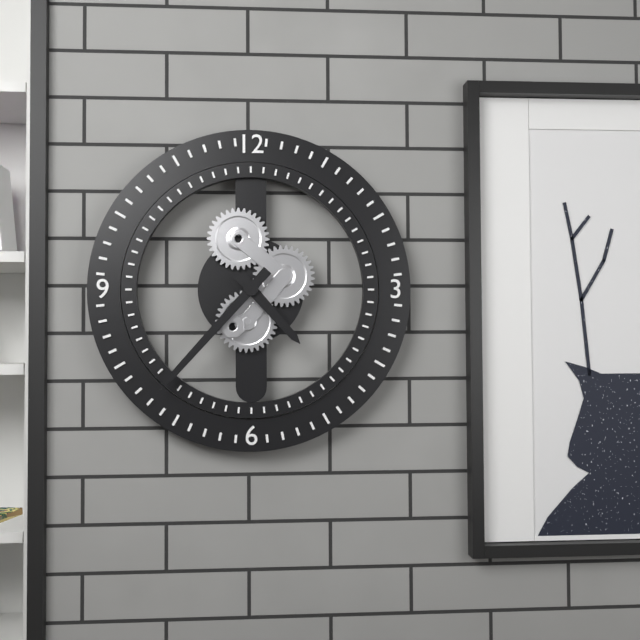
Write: 4,37
